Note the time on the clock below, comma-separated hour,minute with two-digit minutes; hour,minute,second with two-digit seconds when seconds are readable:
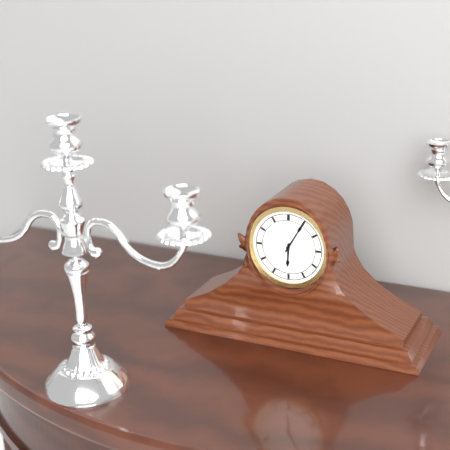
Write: 6,05
